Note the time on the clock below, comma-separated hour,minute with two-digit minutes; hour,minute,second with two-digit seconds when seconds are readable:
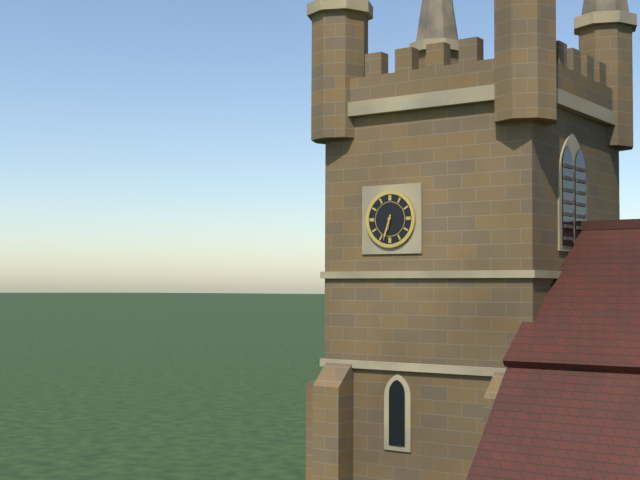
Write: 6,33
